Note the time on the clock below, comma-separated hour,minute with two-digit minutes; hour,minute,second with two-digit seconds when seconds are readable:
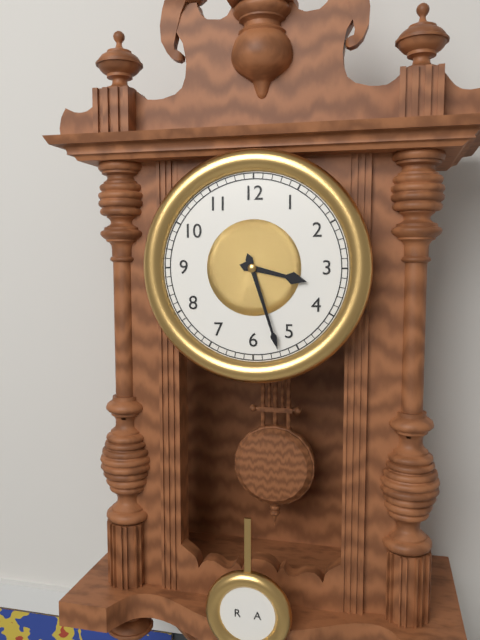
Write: 3,27
